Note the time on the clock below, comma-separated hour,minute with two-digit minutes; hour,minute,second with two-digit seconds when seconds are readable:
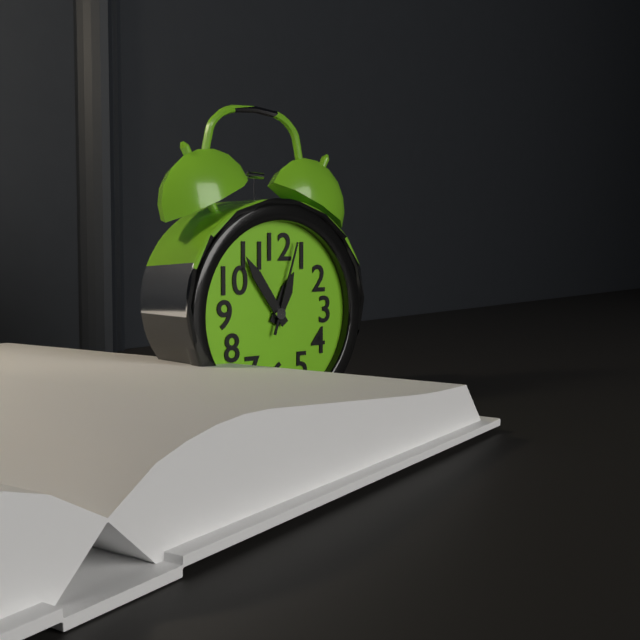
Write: 12,54,03
